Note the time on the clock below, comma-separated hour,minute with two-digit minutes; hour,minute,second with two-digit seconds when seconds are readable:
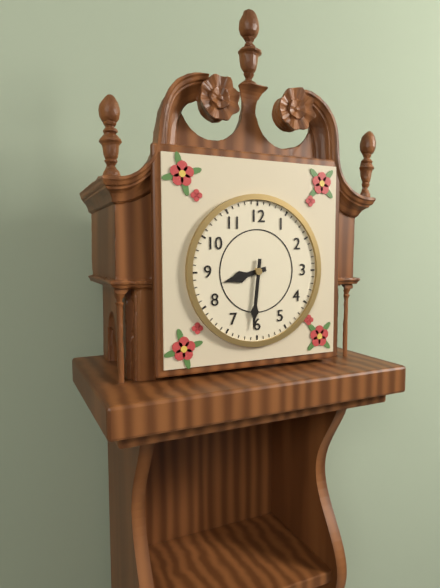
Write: 8,31
